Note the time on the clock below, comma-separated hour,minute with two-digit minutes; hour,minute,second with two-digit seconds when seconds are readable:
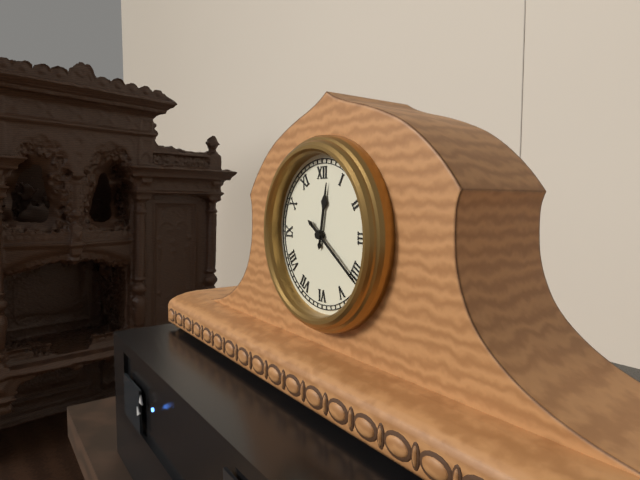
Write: 12,21
